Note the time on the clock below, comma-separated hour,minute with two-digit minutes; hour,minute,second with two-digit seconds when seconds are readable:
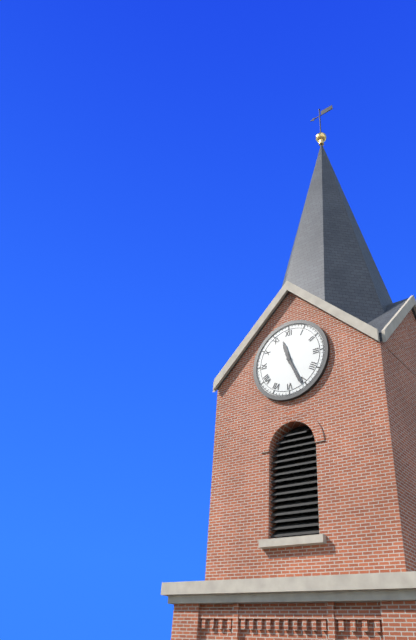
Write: 11,26
